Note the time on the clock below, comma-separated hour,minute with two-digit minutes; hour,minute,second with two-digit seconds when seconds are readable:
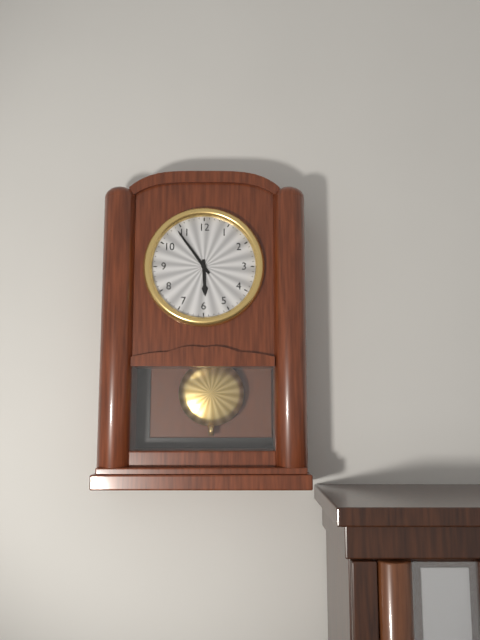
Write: 5,54
